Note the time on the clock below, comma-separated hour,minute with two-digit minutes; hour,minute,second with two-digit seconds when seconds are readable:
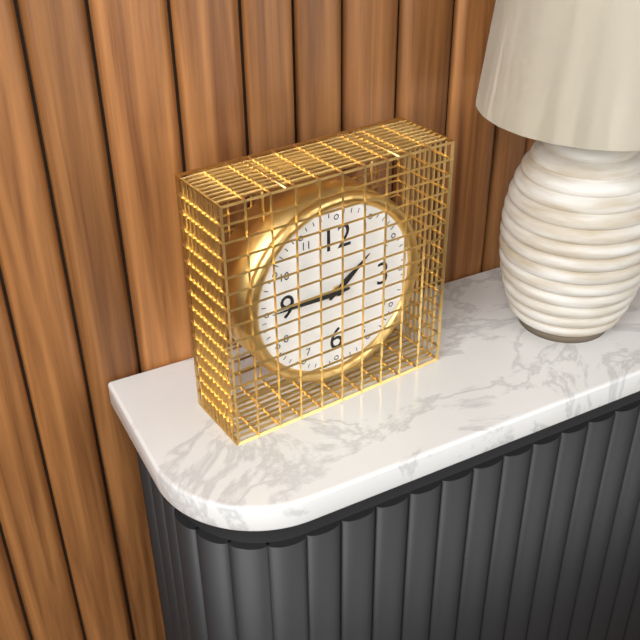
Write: 1,45
